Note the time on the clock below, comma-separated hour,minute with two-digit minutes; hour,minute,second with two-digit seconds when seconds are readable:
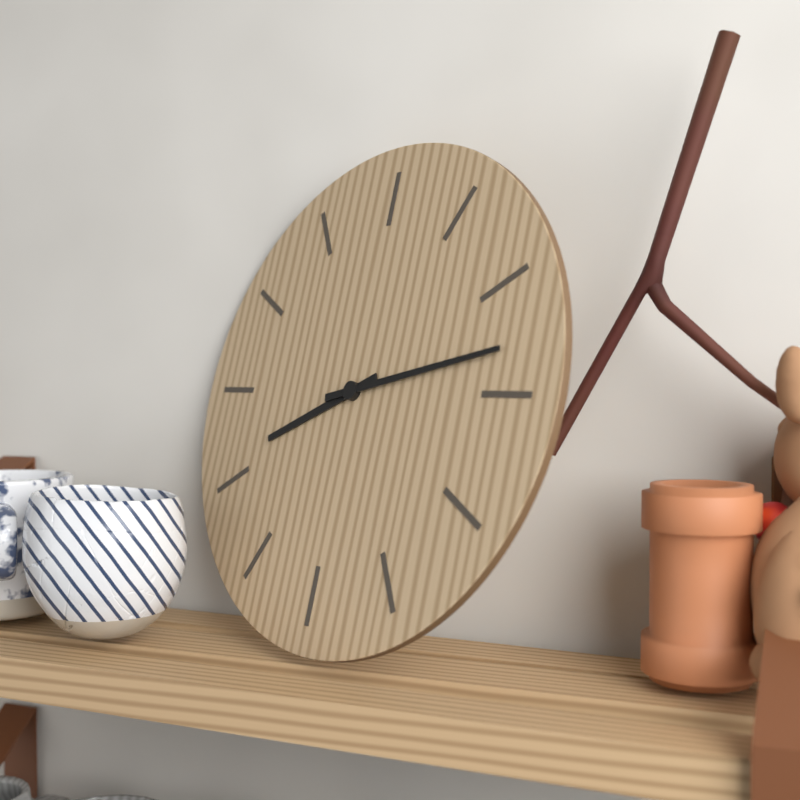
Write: 8,13
